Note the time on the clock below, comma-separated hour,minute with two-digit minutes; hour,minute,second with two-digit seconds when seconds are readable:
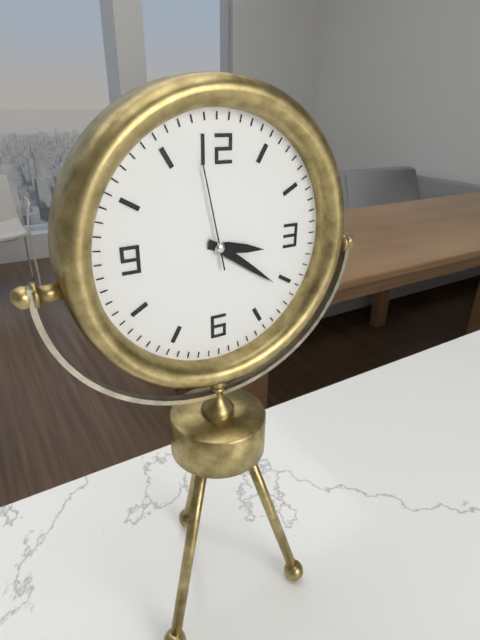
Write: 3,21,58
